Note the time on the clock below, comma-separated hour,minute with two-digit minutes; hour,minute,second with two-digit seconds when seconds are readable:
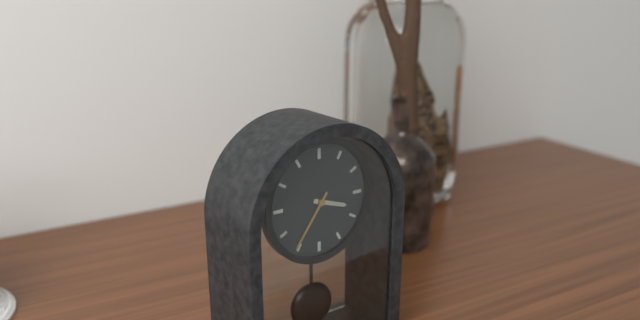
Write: 3,36
